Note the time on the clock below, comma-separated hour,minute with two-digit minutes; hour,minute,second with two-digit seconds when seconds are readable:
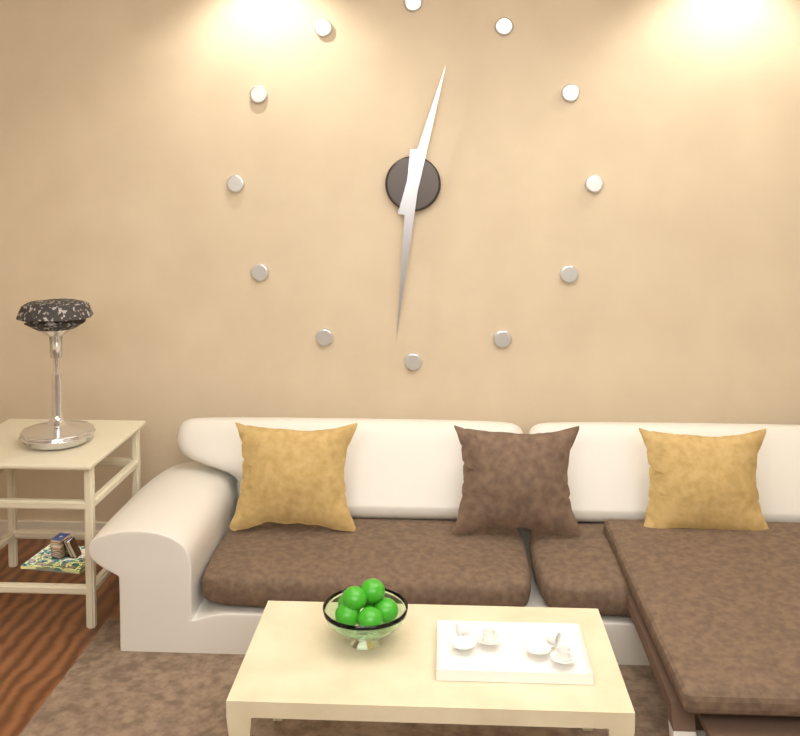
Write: 12,31
